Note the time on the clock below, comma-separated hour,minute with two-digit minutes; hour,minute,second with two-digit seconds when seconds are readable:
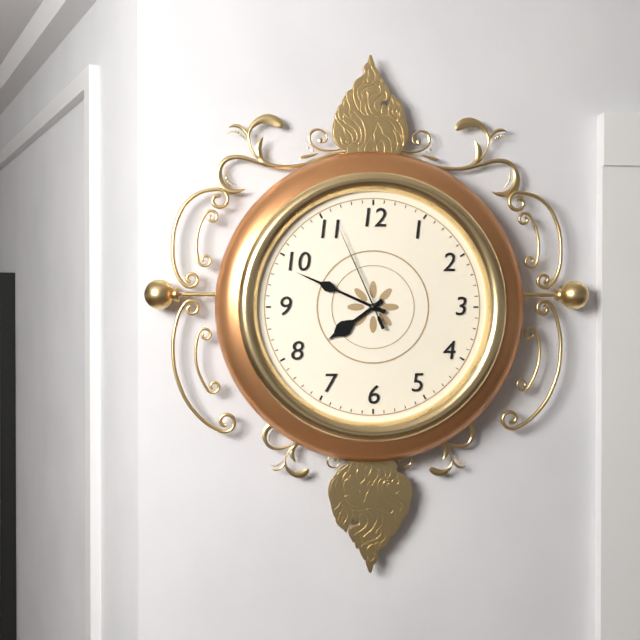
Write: 7,49,56
